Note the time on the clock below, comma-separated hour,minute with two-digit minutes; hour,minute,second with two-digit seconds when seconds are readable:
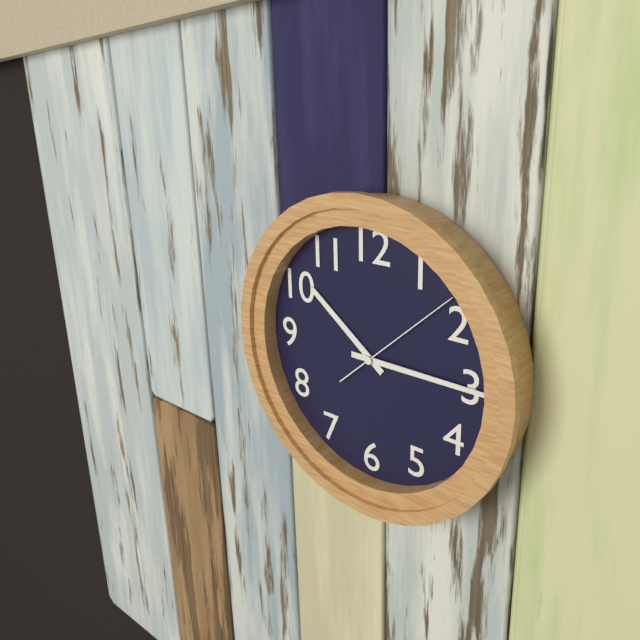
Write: 10,15,08
